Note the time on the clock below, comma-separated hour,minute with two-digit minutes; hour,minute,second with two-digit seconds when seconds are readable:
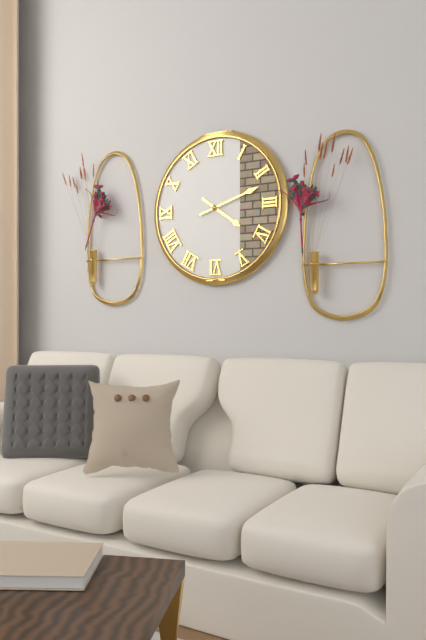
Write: 4,12
